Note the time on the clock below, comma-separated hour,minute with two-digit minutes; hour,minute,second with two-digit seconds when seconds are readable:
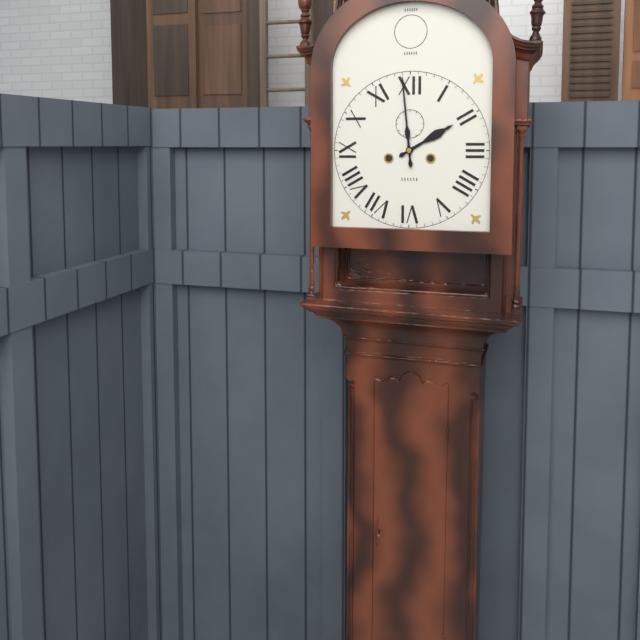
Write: 1,59
